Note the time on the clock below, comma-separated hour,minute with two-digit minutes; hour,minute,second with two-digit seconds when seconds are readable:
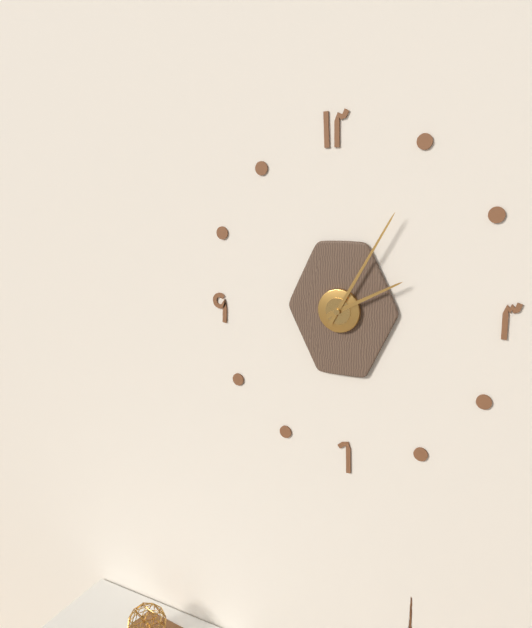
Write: 2,05
